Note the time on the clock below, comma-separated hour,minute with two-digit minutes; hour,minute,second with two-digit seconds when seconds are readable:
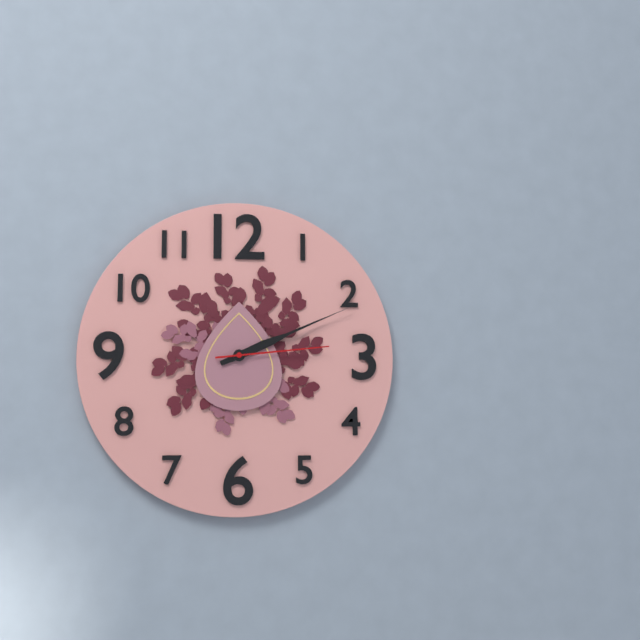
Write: 2,11,14
